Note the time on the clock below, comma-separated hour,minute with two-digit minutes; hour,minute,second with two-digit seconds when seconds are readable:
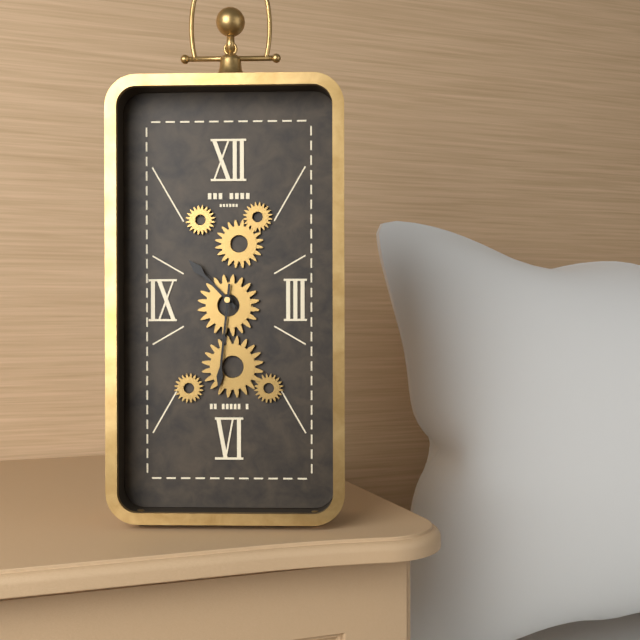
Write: 10,31
